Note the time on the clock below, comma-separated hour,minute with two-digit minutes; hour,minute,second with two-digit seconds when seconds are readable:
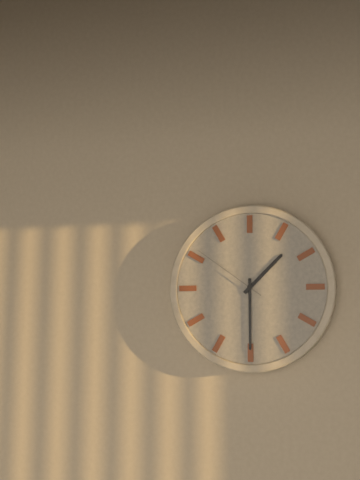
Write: 1,30,51
